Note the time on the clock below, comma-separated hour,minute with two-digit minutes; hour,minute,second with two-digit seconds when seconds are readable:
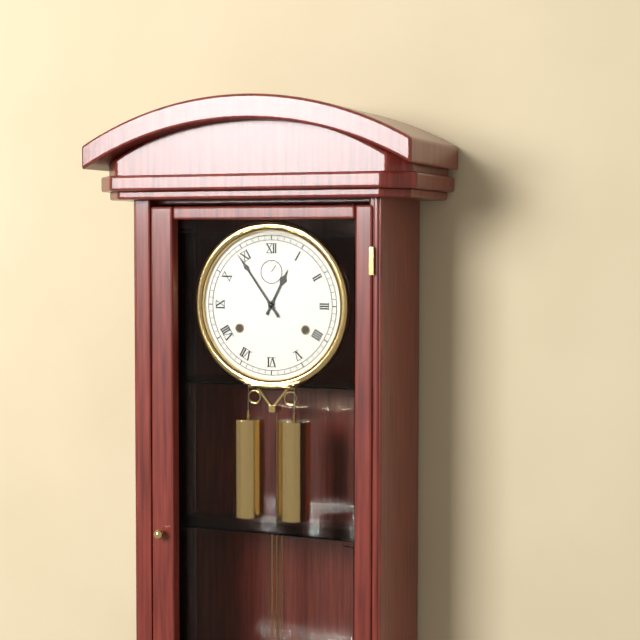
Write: 12,54
